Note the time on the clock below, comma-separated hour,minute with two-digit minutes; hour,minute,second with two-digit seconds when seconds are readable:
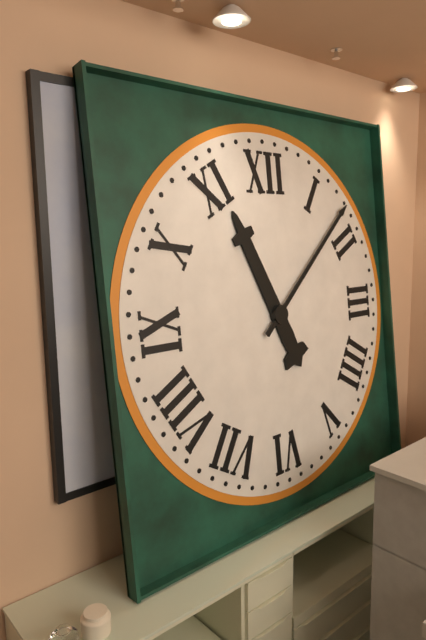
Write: 11,08
